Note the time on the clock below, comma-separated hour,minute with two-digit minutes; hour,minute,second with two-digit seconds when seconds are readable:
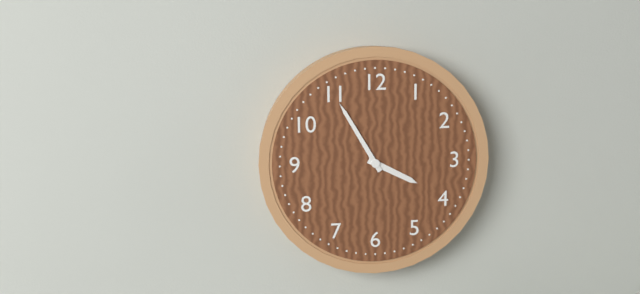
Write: 3,55
